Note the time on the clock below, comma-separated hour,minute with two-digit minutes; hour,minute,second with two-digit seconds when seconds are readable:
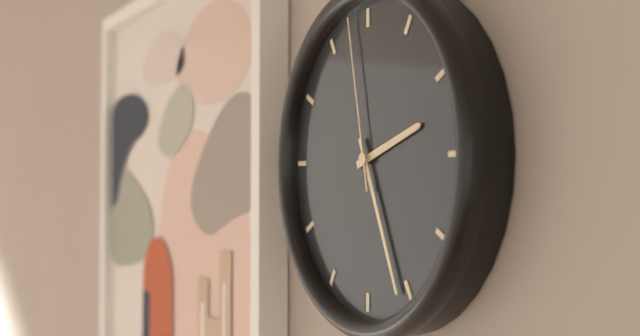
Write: 2,26,58
